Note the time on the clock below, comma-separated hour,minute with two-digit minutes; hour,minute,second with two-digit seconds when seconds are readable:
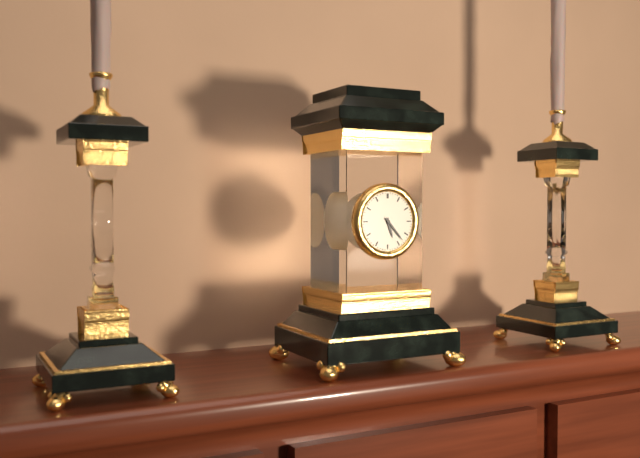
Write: 5,23
